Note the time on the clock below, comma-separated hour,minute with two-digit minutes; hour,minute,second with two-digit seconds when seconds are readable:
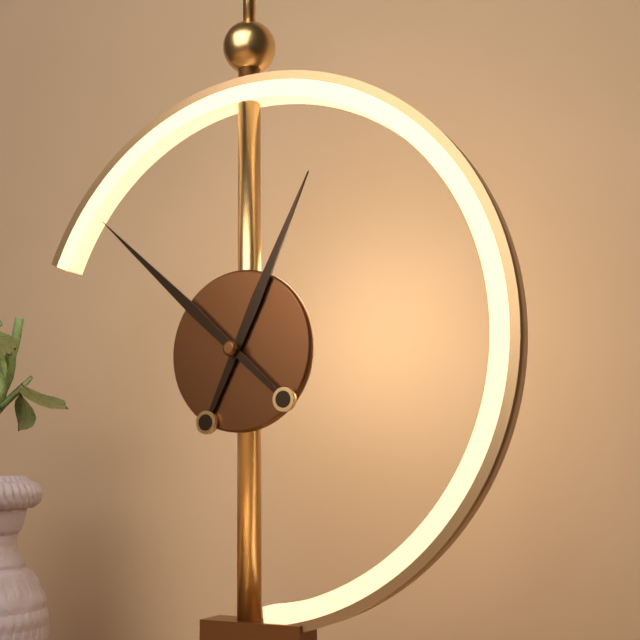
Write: 12,52
